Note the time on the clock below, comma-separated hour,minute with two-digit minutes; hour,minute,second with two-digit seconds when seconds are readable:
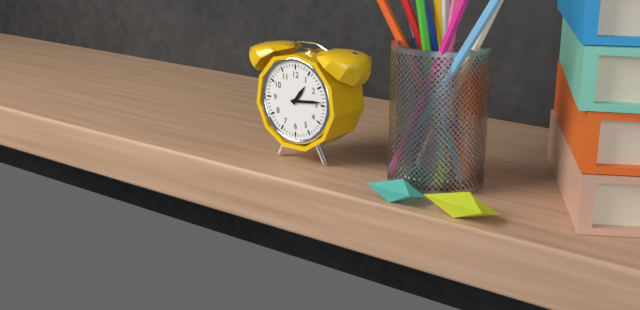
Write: 1,14
